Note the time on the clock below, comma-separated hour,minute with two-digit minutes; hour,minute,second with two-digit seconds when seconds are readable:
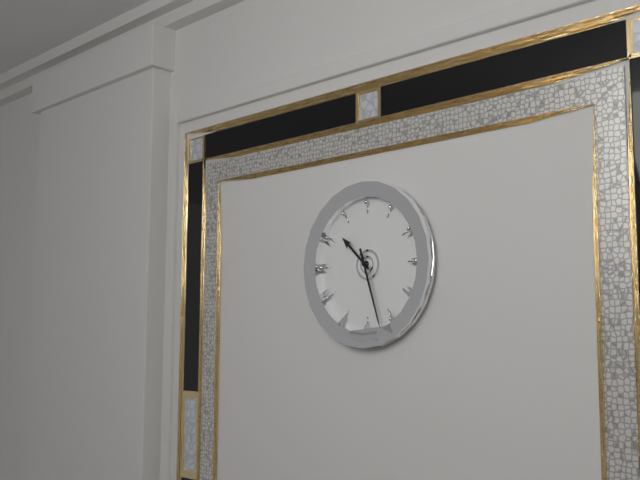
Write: 10,27
